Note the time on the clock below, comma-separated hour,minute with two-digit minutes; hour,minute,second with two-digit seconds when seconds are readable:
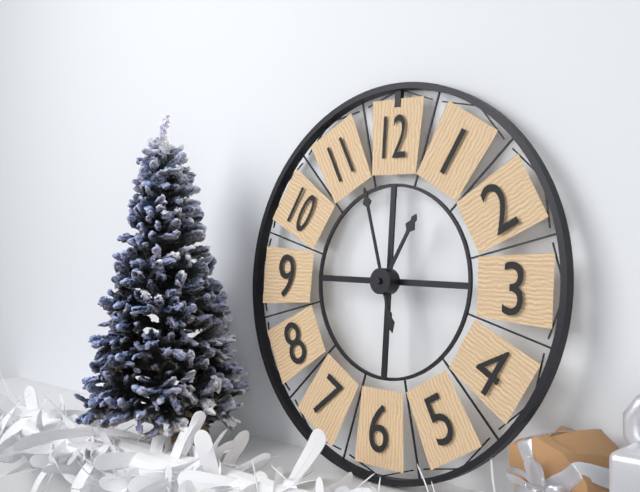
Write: 12,57
